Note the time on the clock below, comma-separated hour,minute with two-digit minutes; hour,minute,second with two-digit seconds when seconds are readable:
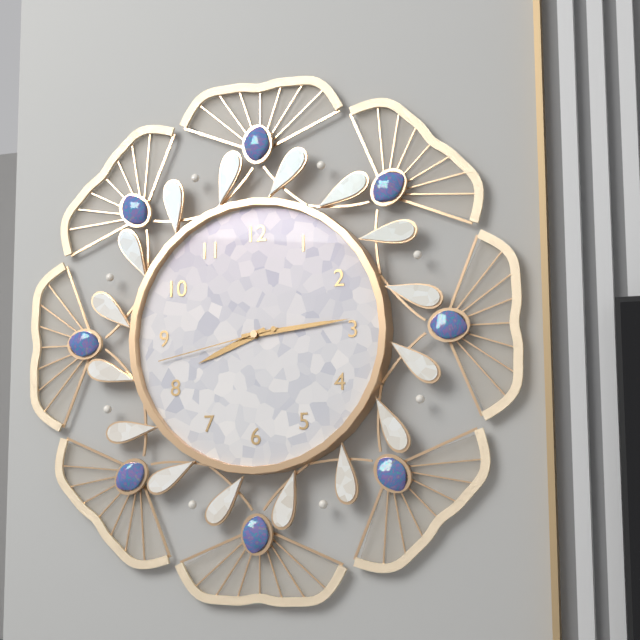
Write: 8,14,43
